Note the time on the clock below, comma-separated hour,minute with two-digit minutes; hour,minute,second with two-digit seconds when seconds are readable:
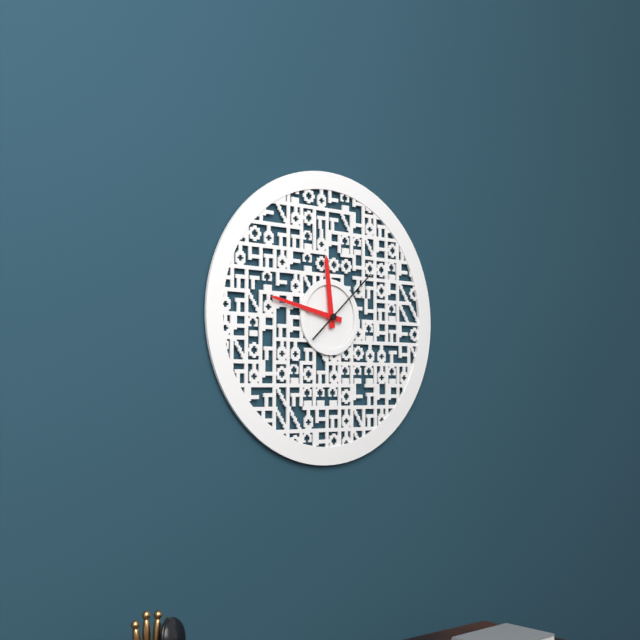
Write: 11,47,08
